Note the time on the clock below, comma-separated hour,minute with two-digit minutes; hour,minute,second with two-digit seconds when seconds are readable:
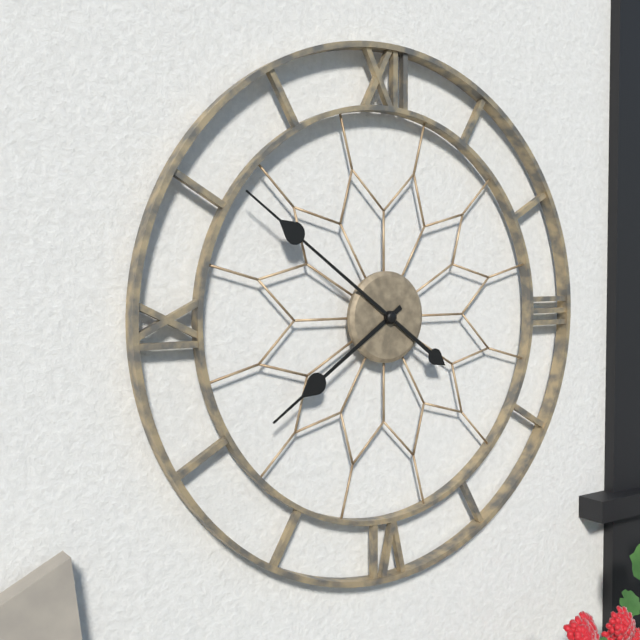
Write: 7,51
